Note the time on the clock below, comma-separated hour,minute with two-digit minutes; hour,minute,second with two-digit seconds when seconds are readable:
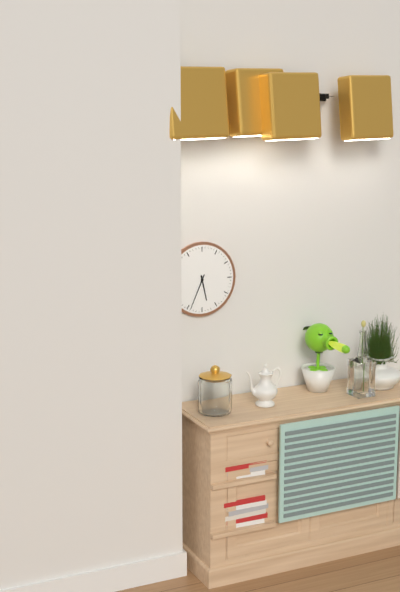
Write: 5,34
